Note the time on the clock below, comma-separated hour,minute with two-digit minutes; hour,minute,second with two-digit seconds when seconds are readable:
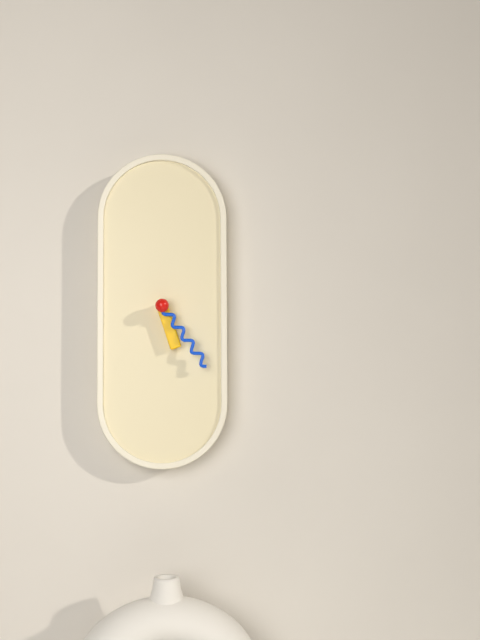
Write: 5,24
